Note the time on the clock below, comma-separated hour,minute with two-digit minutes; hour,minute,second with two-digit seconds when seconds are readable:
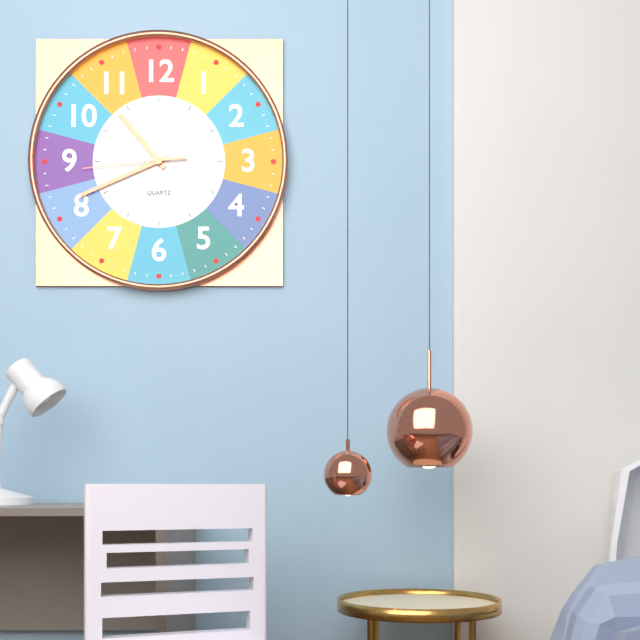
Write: 10,41,44
